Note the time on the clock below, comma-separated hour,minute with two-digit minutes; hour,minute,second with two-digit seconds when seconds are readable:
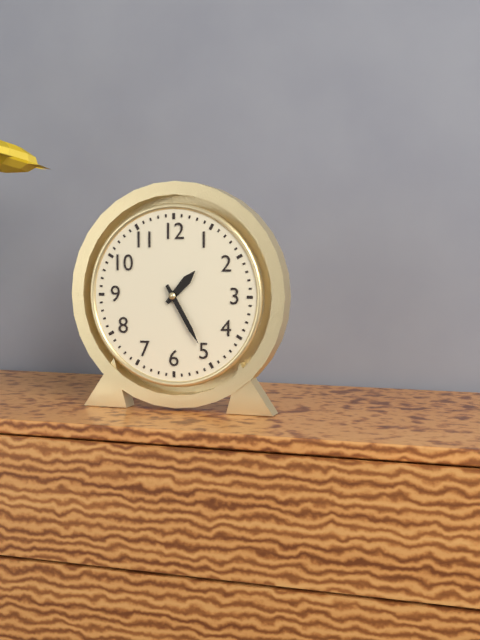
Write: 1,25
